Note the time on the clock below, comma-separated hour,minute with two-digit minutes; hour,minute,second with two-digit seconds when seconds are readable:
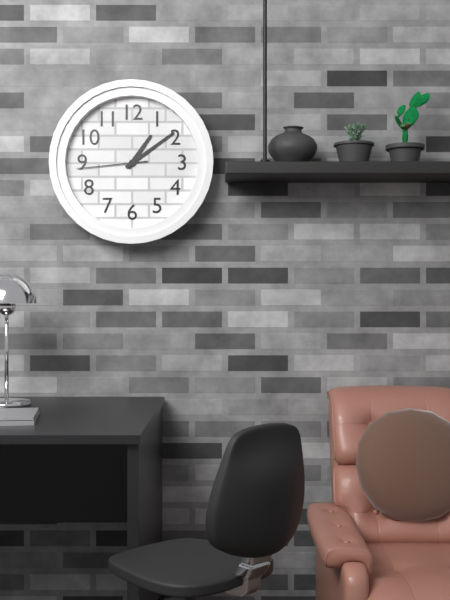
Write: 1,09,44
